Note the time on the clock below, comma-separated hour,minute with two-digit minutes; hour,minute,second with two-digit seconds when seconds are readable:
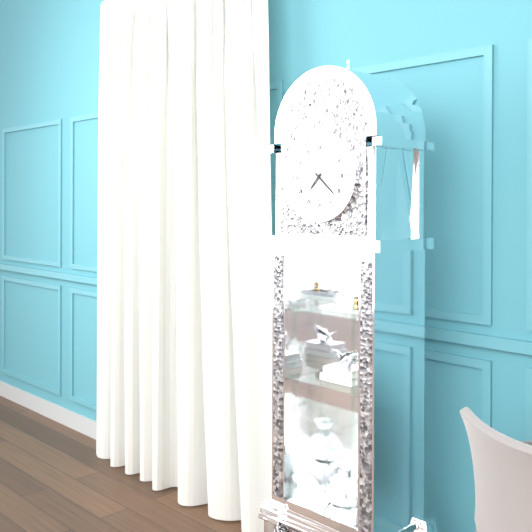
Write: 7,22
